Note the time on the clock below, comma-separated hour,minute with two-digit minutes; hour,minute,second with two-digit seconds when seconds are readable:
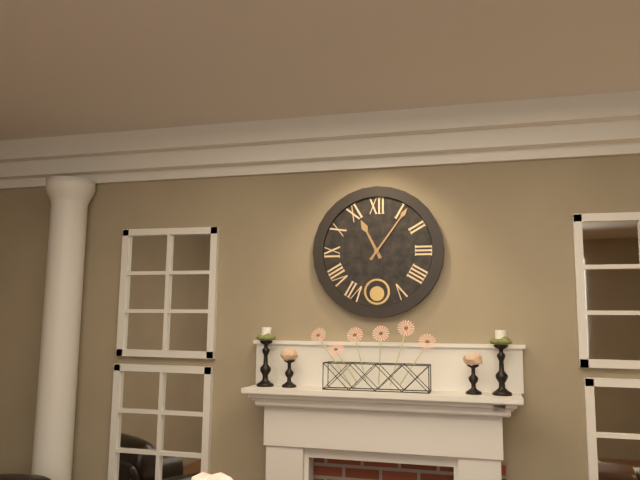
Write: 11,06
